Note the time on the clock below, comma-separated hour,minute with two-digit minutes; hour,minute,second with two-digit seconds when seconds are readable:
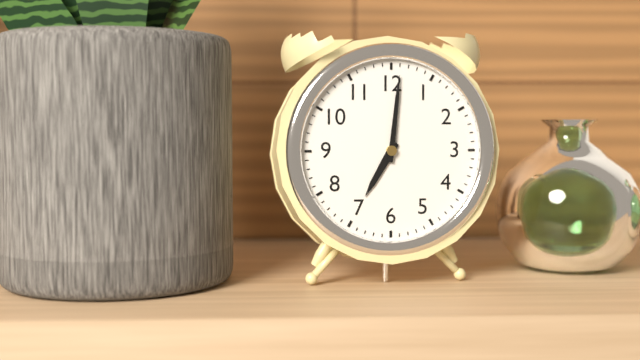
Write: 7,01
